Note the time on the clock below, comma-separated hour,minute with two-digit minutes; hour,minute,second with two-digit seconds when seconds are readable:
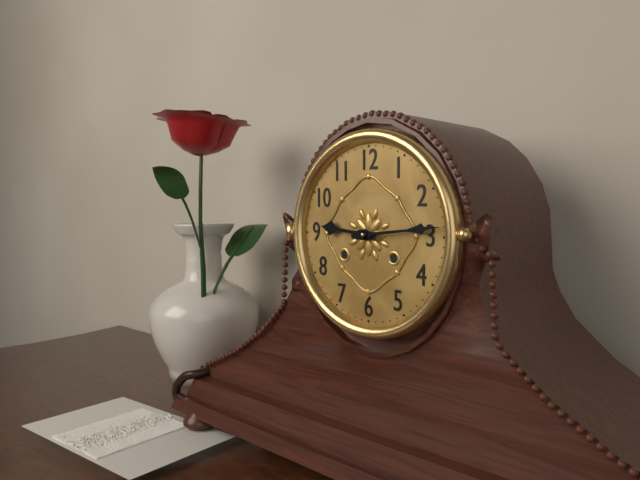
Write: 9,14
